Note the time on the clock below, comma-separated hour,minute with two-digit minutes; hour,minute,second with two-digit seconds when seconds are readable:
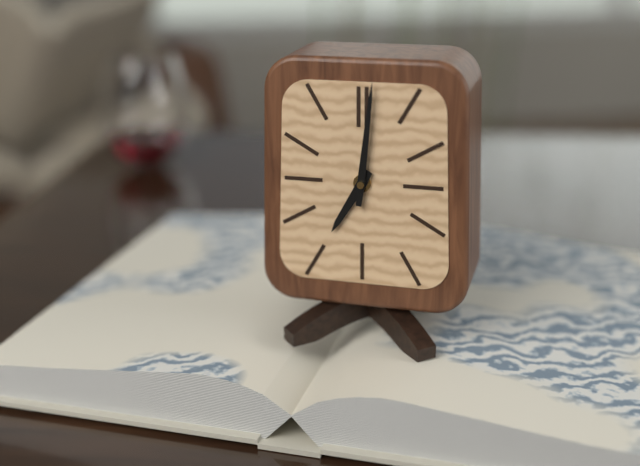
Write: 7,01
